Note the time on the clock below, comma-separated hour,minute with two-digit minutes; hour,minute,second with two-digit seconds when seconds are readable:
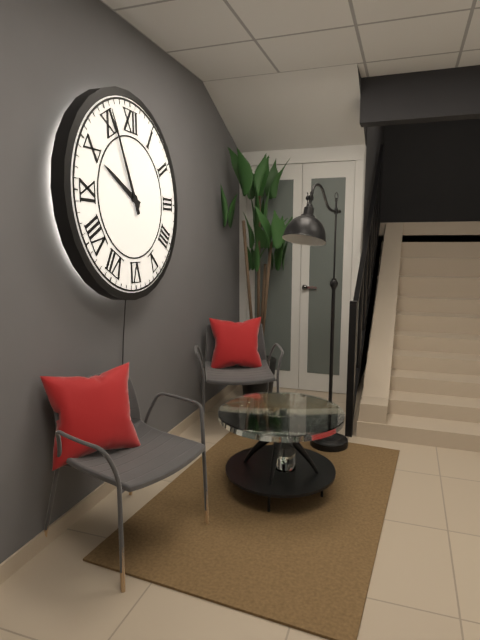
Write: 9,56
